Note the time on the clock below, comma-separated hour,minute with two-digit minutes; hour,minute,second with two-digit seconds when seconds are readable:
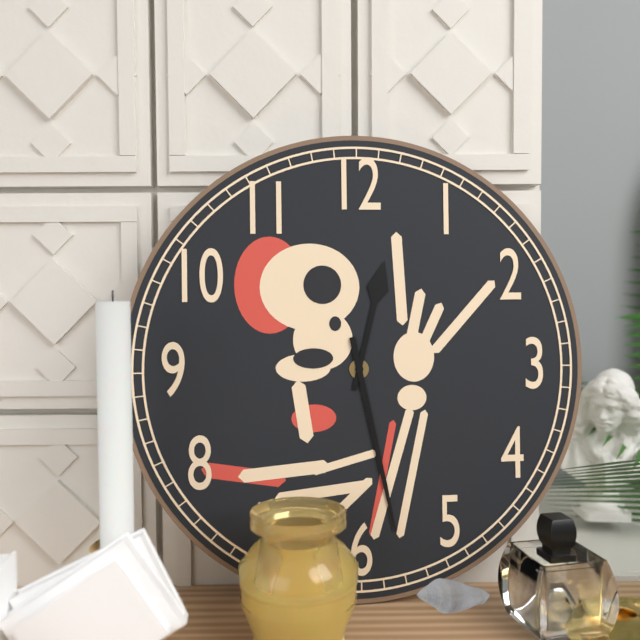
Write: 12,28
